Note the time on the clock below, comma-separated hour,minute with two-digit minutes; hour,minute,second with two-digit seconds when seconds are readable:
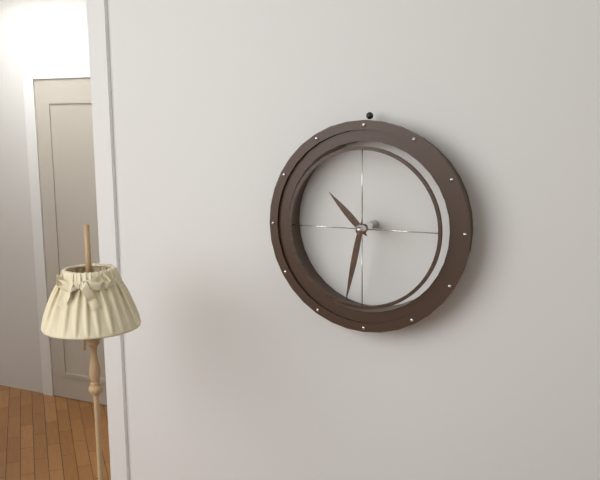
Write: 10,32
